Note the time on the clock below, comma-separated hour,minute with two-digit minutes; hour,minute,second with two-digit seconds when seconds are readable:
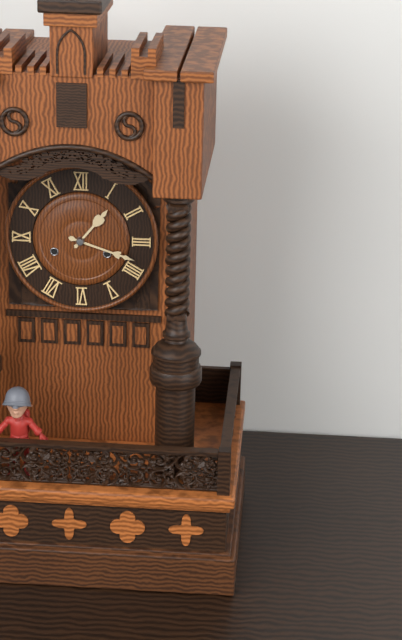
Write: 1,18
